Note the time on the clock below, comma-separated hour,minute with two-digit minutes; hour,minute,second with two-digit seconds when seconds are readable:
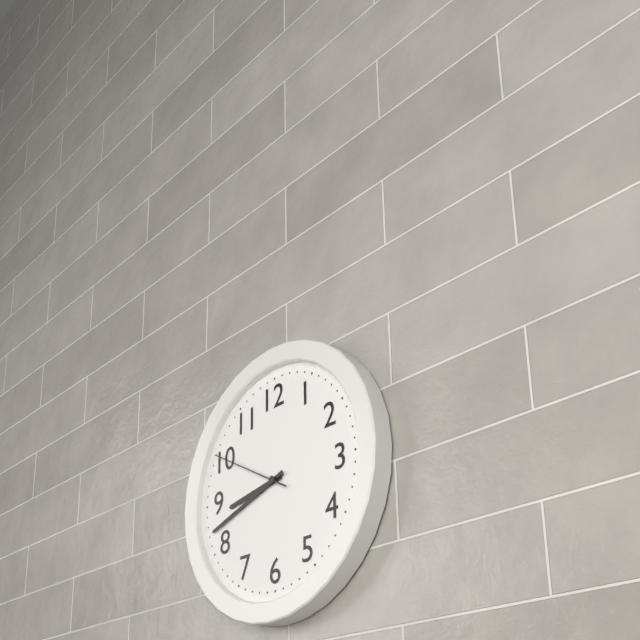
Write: 8,42,50
